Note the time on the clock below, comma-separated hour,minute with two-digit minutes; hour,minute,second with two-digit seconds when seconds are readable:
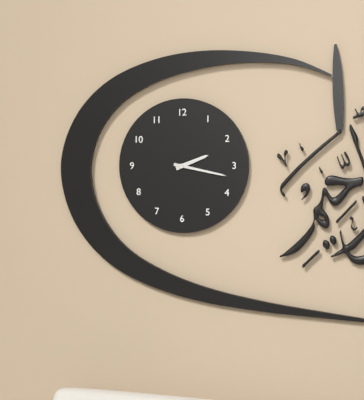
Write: 2,17
